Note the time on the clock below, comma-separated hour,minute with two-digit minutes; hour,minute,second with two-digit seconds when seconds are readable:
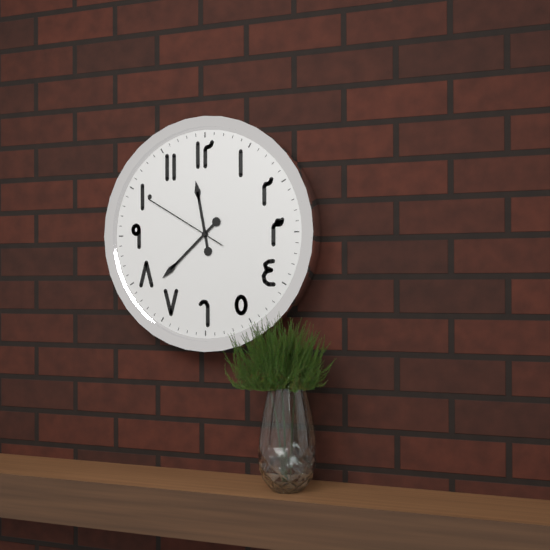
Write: 11,38,50
